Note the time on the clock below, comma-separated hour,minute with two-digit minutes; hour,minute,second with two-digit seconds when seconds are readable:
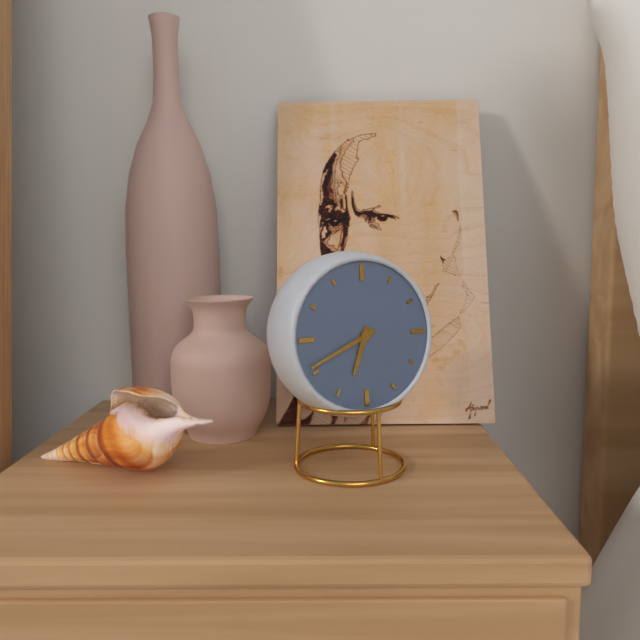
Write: 6,41
